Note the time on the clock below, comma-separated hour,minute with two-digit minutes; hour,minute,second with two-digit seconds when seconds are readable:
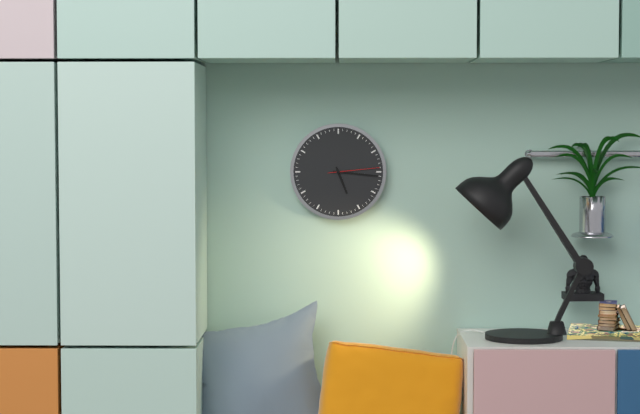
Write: 5,16,14
